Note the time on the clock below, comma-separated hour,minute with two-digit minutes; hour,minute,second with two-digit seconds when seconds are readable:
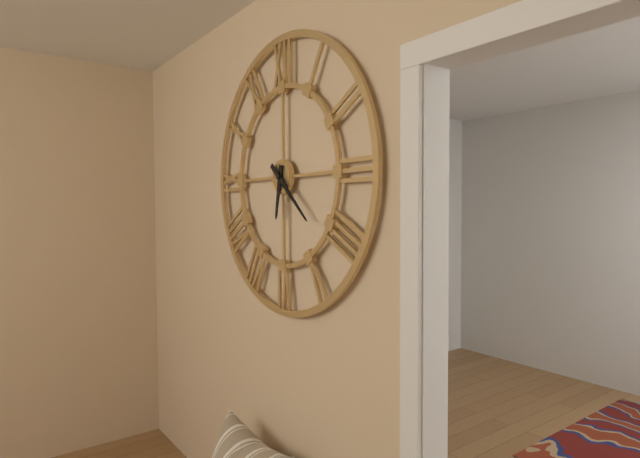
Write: 6,22
